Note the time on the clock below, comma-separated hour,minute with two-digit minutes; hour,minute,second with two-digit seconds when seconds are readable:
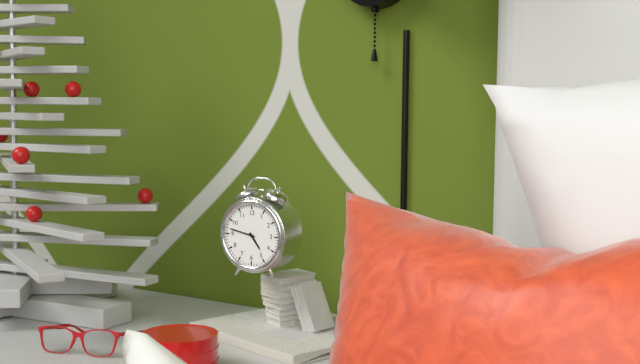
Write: 4,47
